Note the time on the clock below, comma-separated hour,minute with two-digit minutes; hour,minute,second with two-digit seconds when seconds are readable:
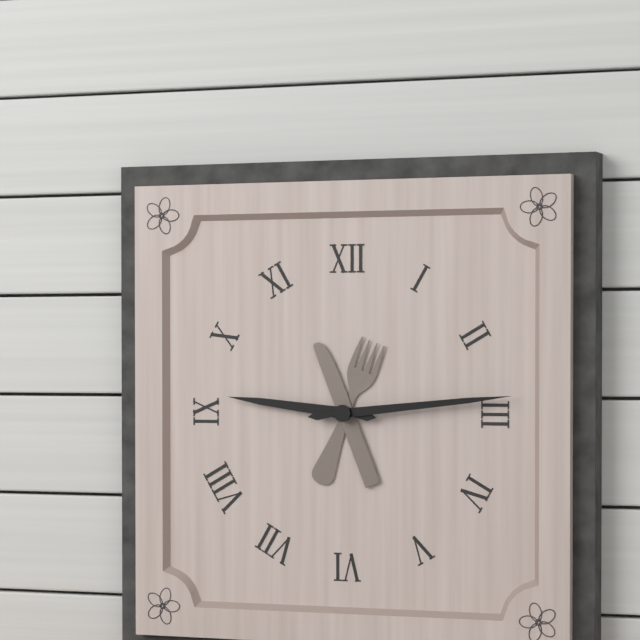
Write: 9,14
